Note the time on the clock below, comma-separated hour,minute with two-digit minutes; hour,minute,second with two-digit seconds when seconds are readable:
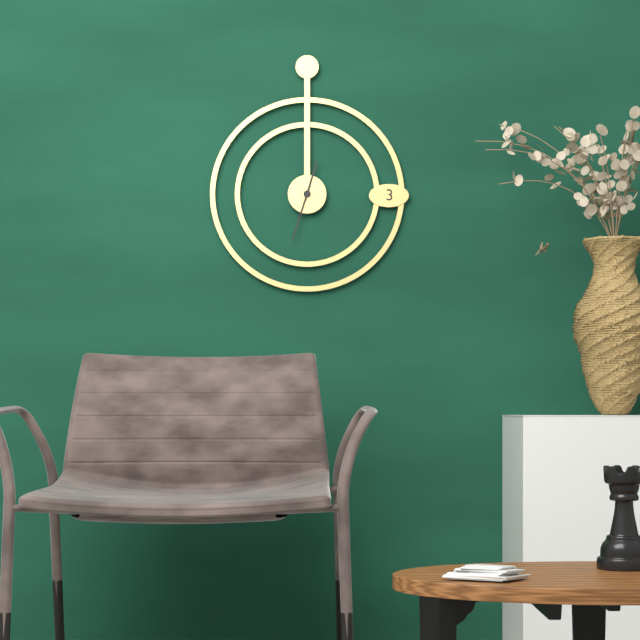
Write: 12,33
